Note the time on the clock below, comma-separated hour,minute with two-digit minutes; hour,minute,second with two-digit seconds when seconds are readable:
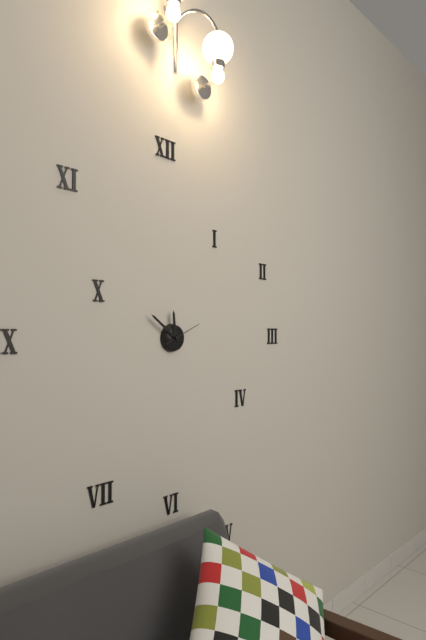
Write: 11,51
